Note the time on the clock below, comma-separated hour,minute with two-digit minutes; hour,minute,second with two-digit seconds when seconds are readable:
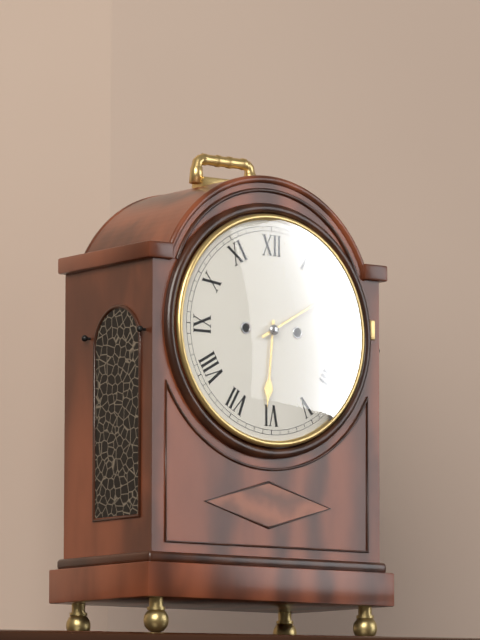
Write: 6,10
